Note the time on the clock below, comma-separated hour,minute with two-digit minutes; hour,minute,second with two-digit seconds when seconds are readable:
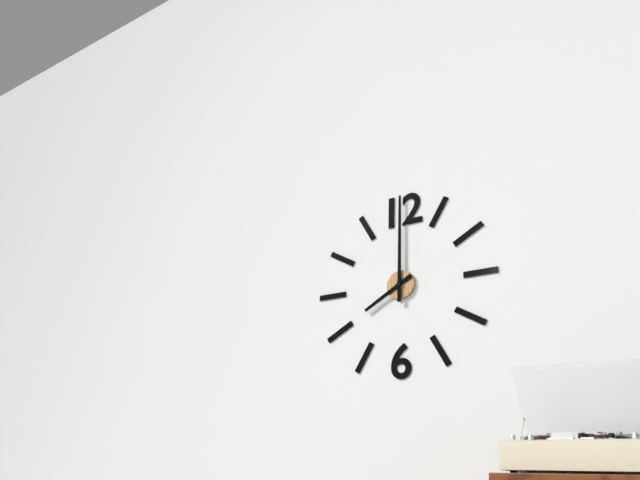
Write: 8,00
